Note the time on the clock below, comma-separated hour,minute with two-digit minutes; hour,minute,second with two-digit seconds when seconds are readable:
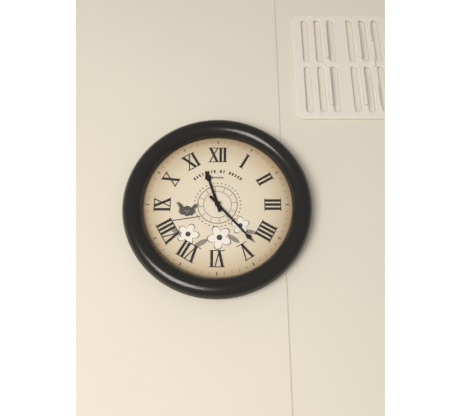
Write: 11,23
